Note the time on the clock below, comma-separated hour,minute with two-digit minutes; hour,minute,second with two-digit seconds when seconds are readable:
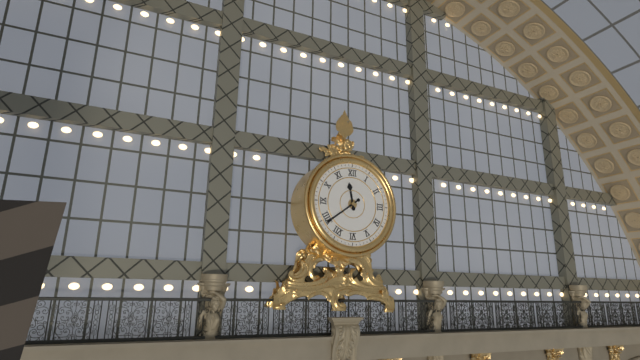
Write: 11,39
